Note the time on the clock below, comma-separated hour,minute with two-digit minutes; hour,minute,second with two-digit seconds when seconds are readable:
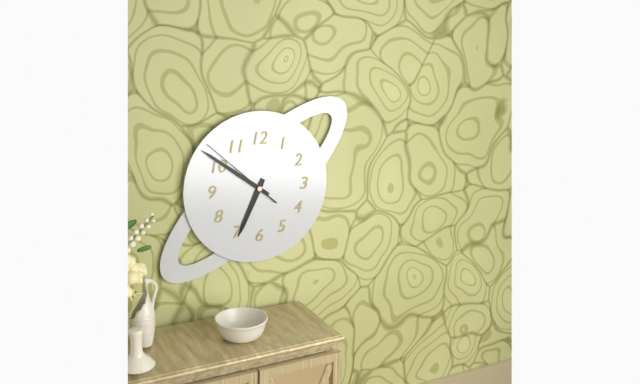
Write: 6,51,52
